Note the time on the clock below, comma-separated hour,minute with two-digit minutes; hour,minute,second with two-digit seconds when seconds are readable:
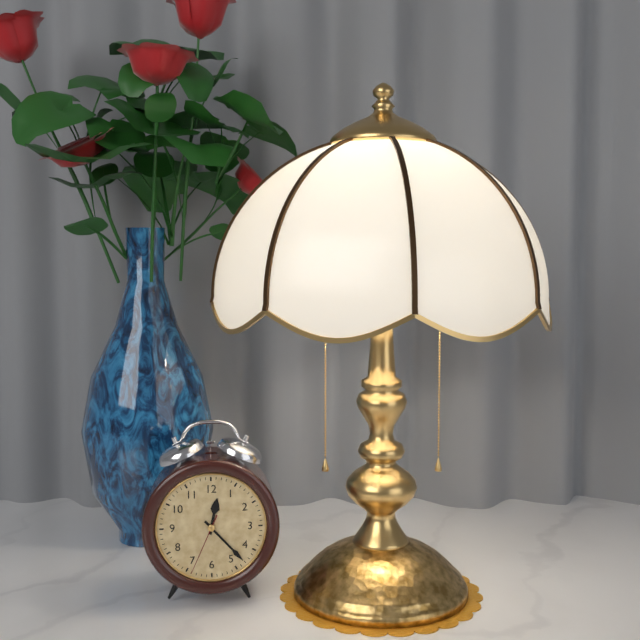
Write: 12,23,34
